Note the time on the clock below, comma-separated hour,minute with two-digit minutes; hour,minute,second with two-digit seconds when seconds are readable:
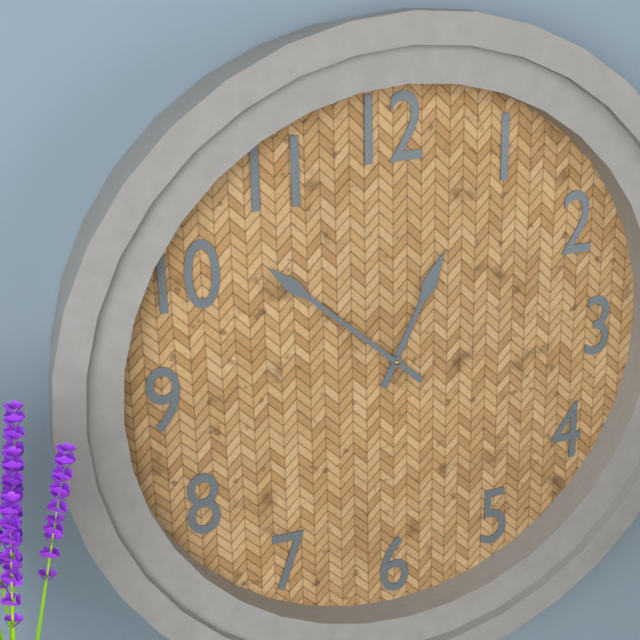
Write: 12,52
